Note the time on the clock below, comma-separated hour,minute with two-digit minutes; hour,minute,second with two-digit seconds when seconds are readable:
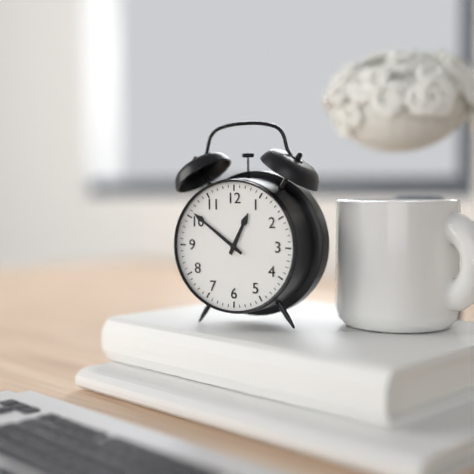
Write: 12,51
